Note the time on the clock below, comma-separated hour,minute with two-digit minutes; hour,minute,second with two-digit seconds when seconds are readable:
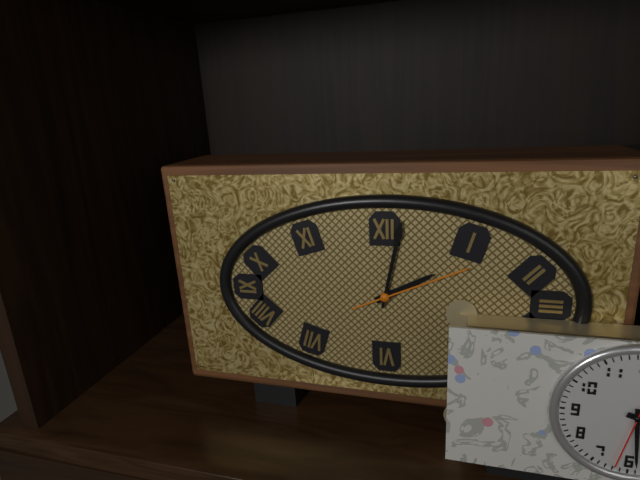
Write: 2,02,11
